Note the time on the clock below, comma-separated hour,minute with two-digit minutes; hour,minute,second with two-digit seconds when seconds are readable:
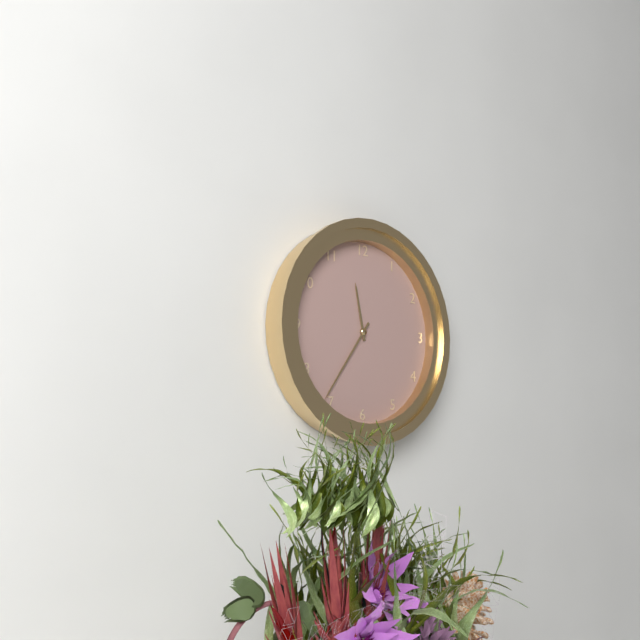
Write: 11,36
